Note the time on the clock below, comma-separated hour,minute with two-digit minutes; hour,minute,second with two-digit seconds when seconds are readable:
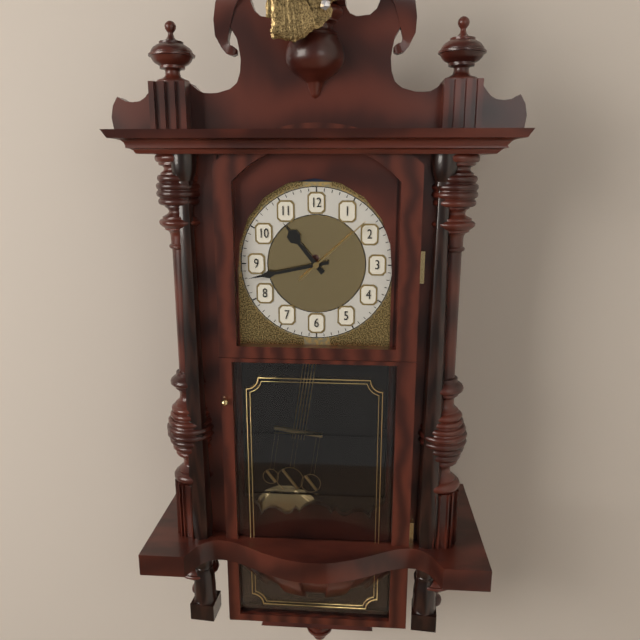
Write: 10,43,08
